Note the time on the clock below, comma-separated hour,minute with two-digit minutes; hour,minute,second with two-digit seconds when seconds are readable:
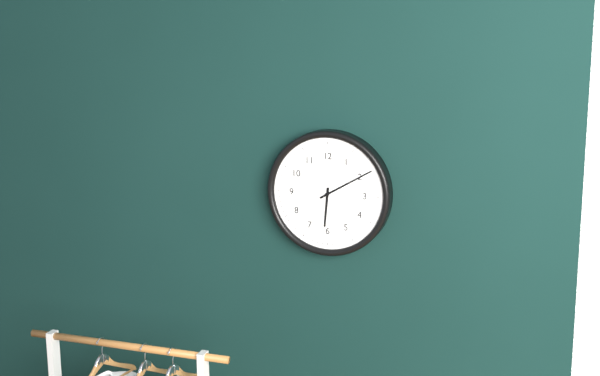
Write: 6,10
